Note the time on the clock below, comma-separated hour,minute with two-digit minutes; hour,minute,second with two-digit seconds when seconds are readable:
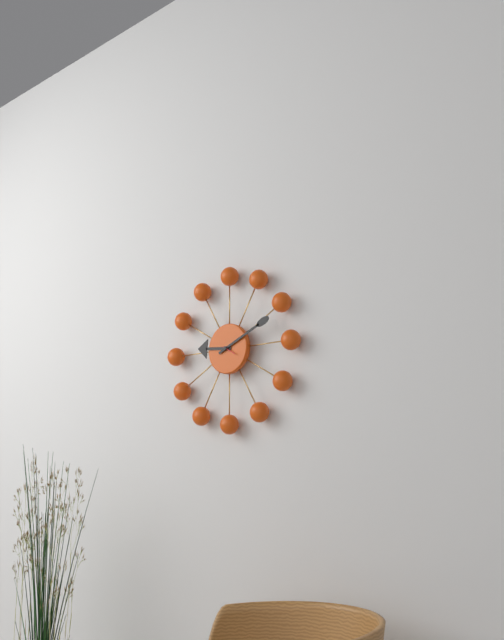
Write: 9,11
